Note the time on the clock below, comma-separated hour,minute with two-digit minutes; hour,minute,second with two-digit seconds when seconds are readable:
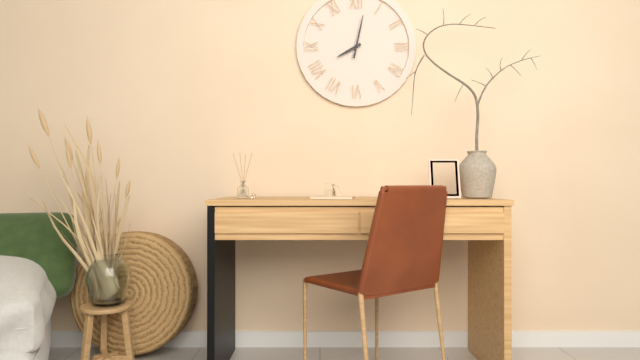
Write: 8,02
